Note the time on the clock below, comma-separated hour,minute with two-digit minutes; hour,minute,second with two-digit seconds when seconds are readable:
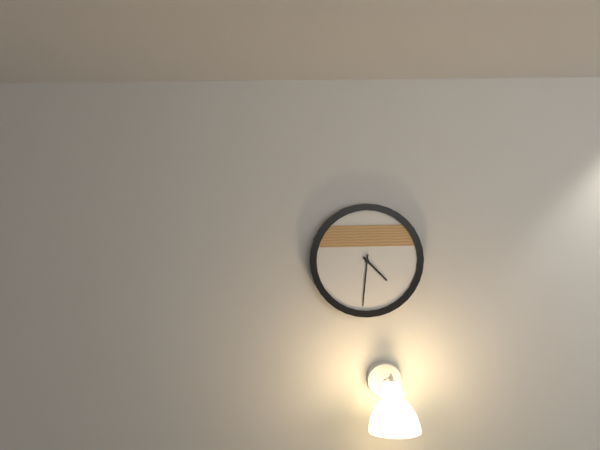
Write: 4,31
